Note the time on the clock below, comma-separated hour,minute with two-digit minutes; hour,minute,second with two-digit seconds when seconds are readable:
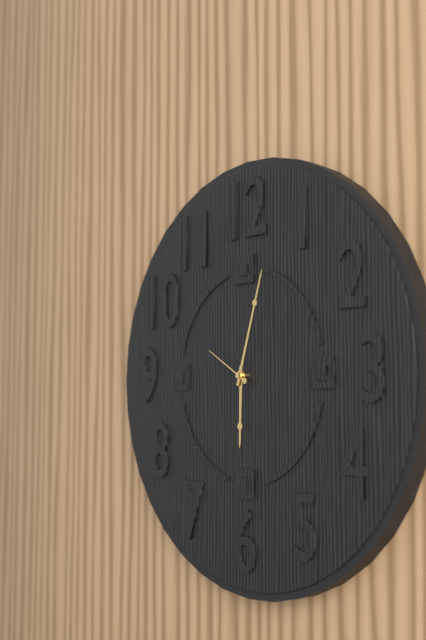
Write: 6,03
